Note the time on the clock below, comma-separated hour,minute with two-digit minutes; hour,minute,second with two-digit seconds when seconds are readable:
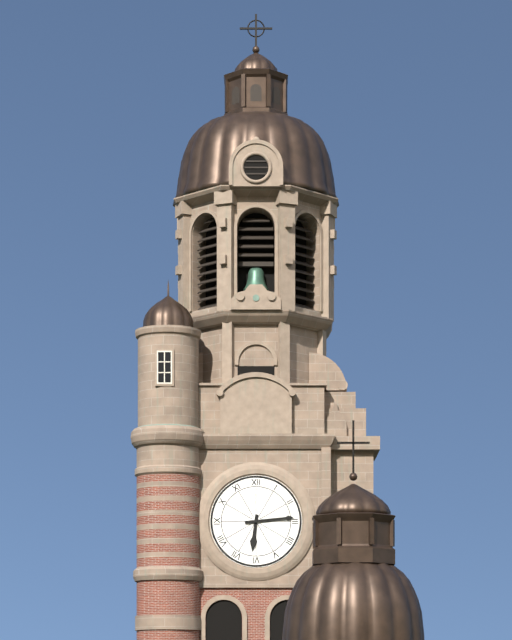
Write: 6,14
